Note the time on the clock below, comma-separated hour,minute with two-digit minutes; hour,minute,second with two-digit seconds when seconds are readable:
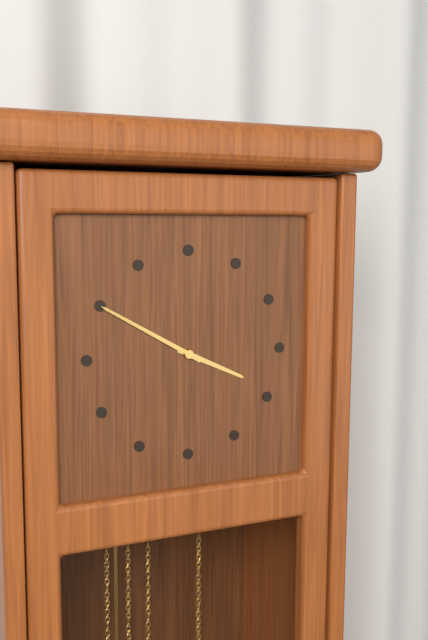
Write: 3,50
